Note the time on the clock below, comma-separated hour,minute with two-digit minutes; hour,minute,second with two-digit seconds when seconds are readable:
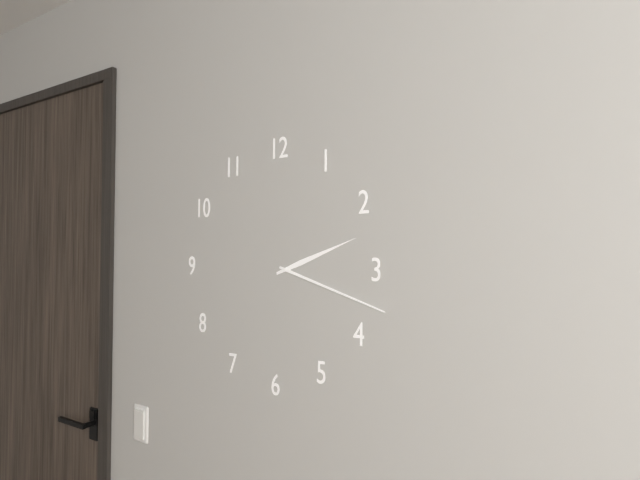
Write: 2,18
